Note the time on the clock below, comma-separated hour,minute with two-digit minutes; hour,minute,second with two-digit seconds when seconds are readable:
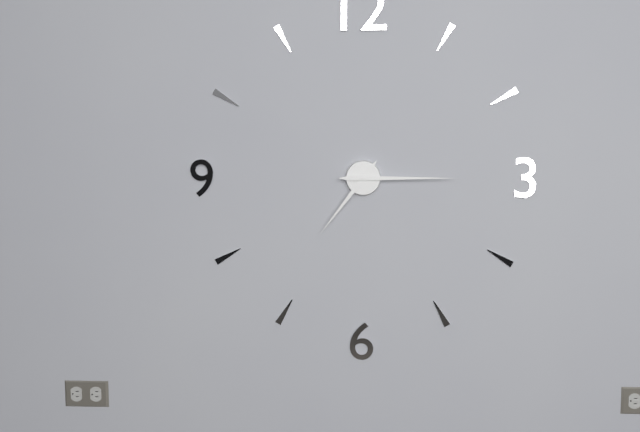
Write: 7,15
